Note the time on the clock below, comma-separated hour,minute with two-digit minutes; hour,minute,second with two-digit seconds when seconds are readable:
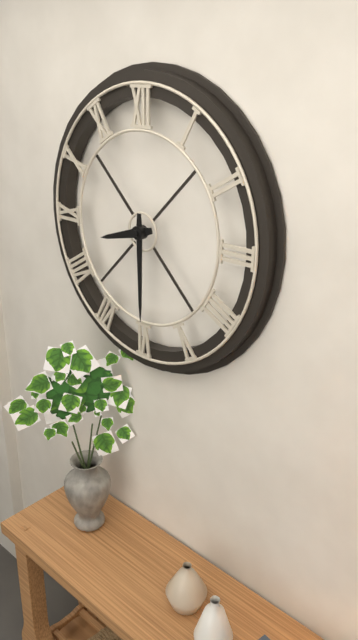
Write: 8,30
